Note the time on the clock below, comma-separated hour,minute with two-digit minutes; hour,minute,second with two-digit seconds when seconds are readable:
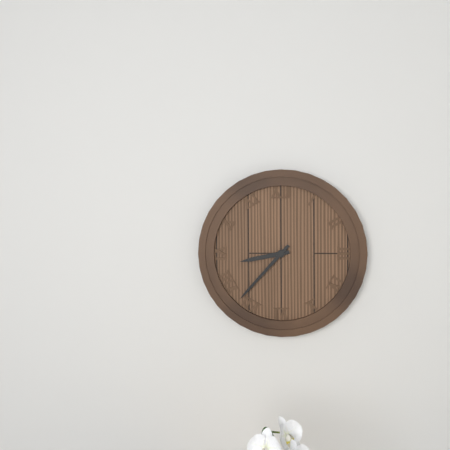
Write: 8,37
